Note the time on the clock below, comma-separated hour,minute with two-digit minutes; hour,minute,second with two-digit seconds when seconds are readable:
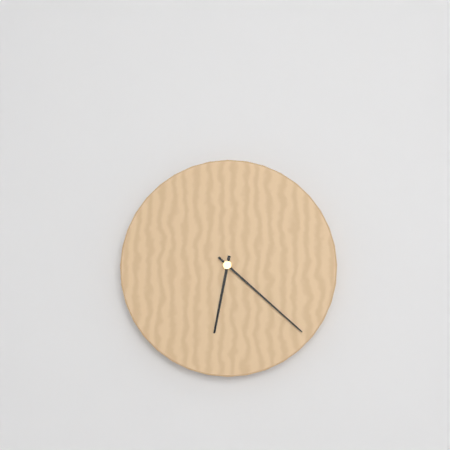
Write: 6,22
